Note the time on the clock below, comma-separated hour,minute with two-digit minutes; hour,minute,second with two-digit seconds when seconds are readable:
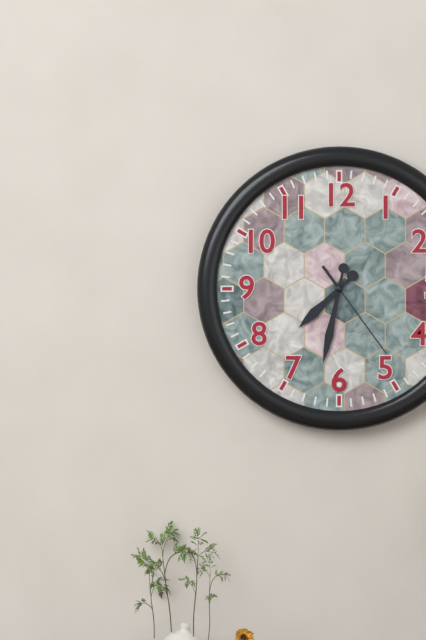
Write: 7,32,24
